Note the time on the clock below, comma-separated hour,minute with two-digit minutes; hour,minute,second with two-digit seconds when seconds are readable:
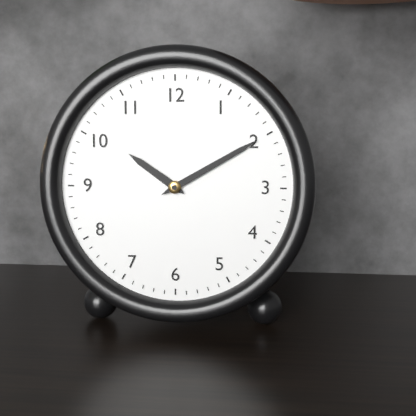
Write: 10,10
